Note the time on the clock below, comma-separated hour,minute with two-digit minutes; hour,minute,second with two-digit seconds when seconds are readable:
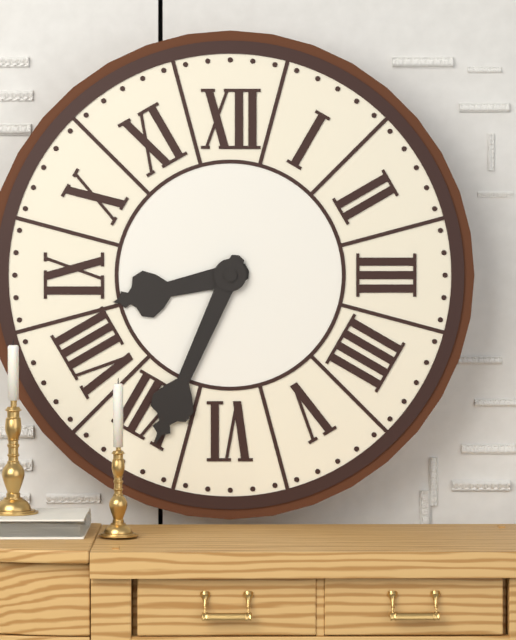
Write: 8,34
